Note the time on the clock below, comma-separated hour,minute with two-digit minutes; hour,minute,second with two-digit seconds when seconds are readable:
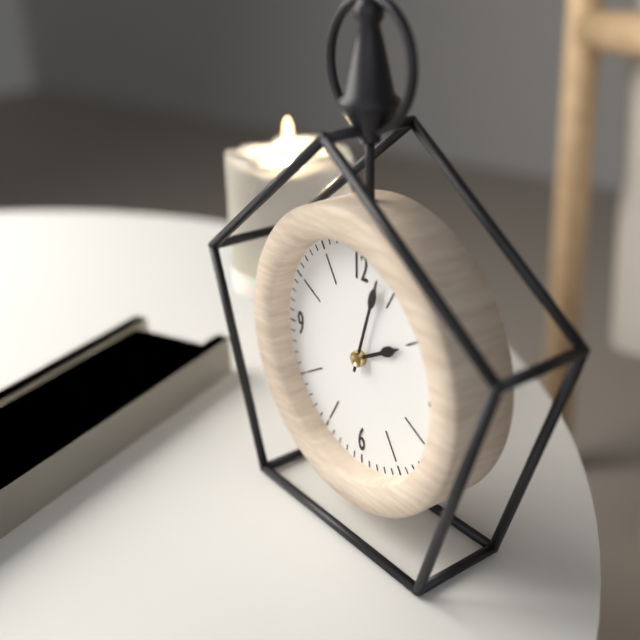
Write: 2,03
